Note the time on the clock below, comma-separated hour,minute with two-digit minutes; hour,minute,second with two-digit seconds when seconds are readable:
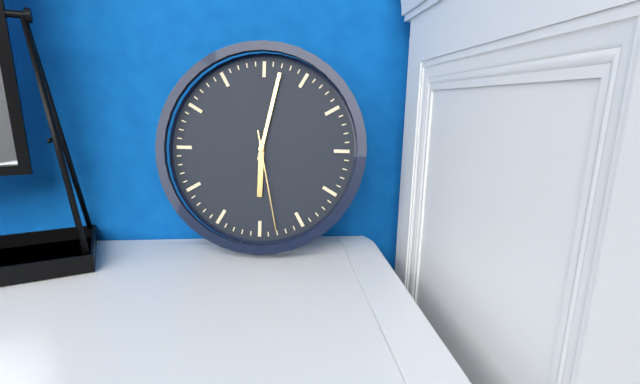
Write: 6,02,28
